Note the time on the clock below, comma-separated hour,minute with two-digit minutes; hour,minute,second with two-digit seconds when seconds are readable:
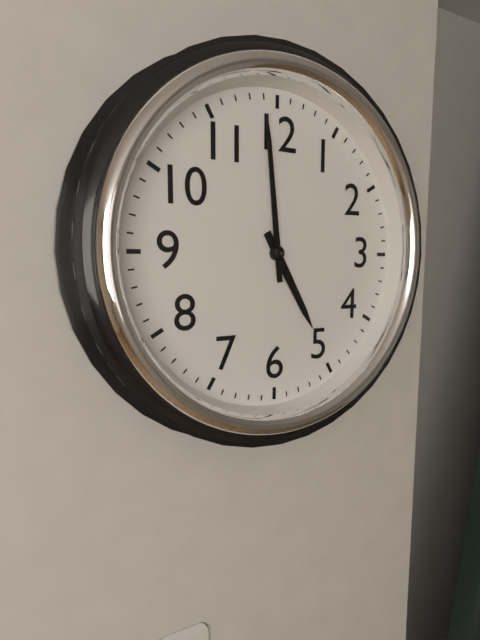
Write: 4,59
